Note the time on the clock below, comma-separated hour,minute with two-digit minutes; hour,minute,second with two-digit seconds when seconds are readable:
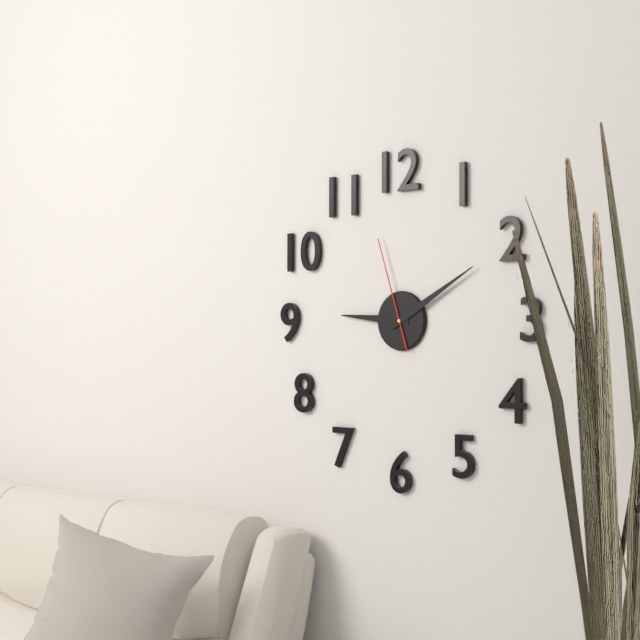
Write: 9,10,57
